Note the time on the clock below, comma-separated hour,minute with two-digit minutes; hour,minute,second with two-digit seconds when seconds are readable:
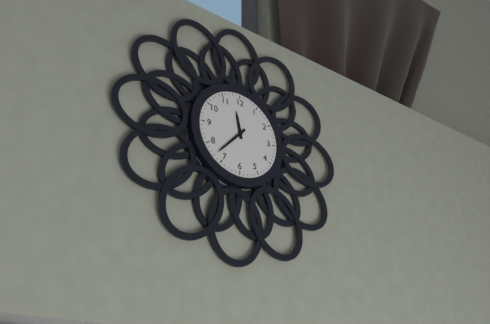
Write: 11,37
